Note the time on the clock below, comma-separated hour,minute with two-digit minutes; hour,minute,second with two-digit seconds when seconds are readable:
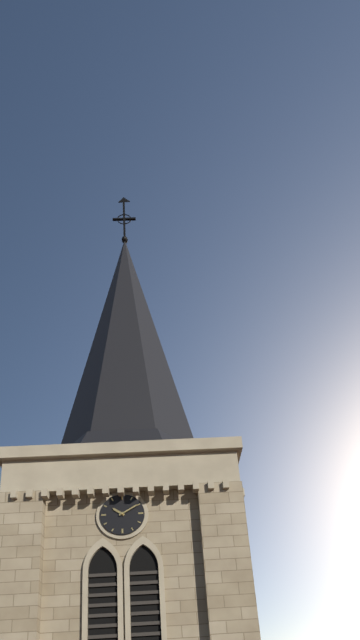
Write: 10,10
